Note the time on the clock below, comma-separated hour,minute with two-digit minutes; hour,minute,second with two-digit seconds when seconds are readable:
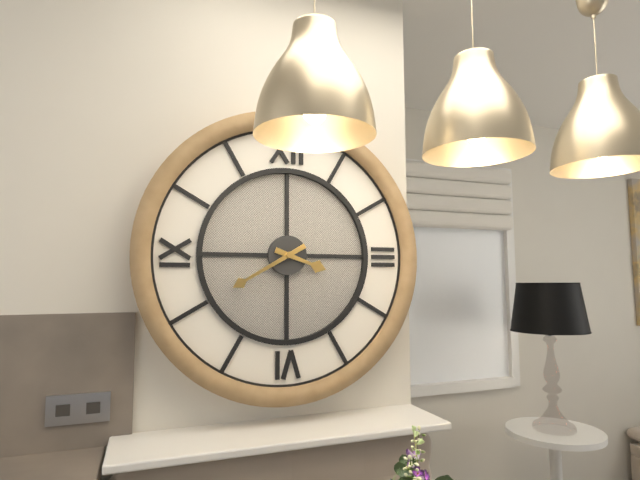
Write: 3,40
